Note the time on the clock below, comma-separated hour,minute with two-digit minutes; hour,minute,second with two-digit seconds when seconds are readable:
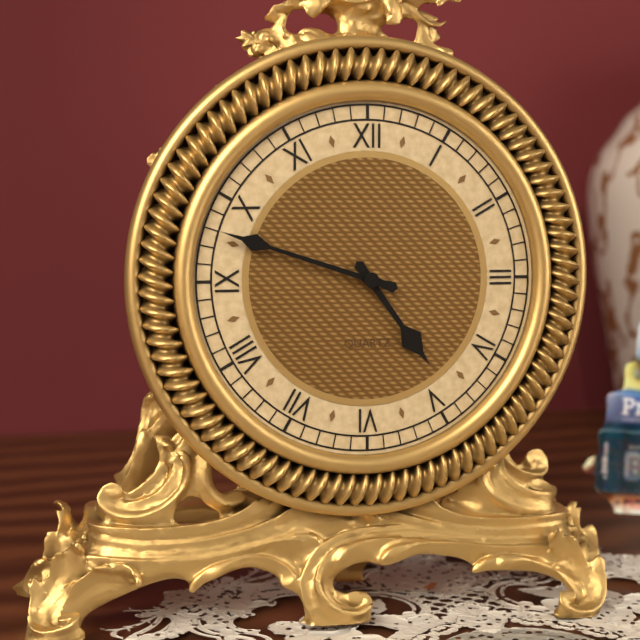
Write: 4,48
